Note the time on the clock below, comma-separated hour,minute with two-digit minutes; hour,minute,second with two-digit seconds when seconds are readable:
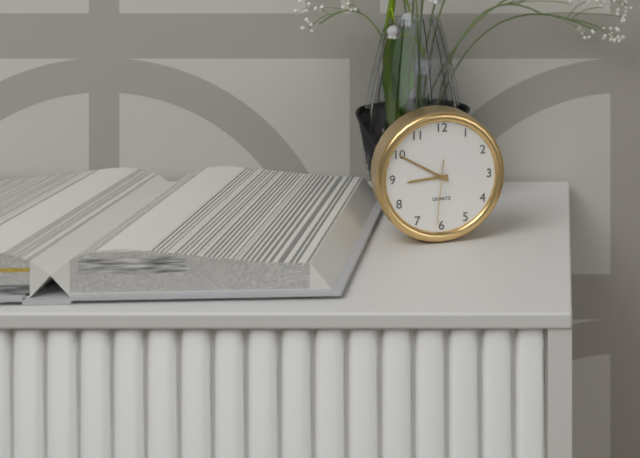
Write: 8,50,31
